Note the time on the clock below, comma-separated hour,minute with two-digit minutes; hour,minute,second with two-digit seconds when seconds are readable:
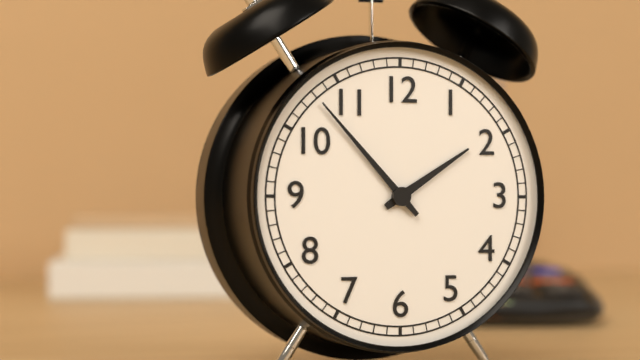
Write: 1,53
